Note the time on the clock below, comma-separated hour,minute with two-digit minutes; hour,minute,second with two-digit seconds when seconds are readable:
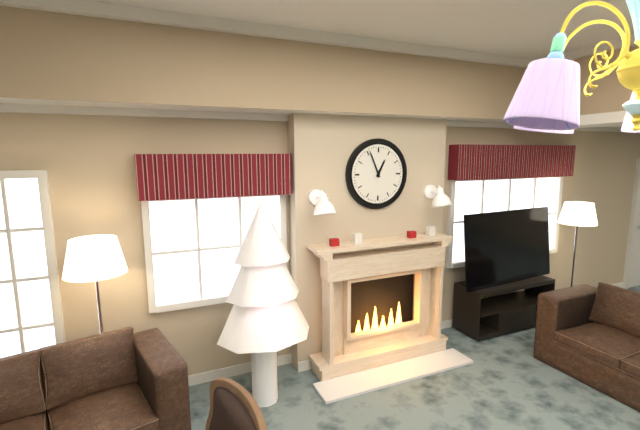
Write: 12,56
